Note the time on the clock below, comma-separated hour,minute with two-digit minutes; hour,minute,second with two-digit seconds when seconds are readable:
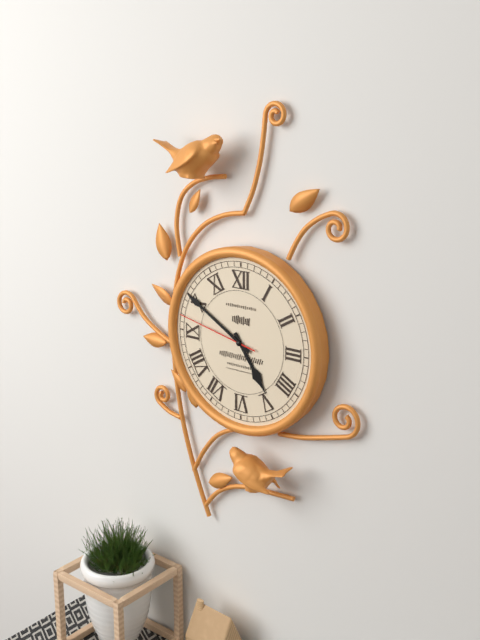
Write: 4,50,47
